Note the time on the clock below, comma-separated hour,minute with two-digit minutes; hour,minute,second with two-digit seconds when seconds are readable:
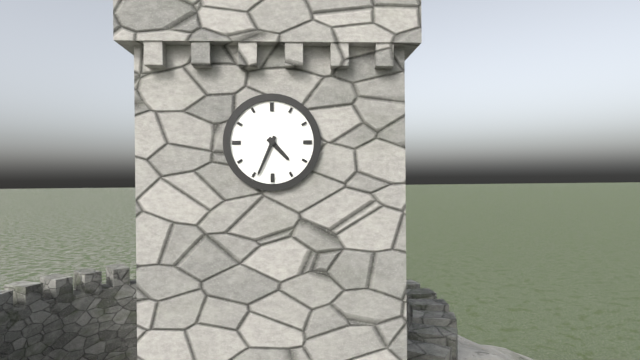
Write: 4,34
